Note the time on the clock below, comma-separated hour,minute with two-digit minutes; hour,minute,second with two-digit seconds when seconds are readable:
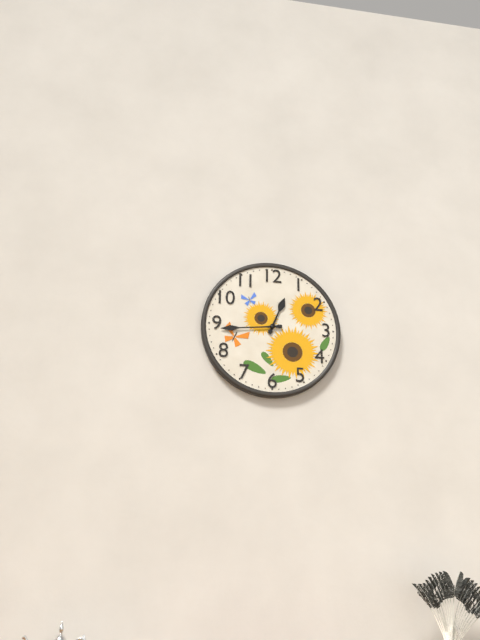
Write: 12,44
